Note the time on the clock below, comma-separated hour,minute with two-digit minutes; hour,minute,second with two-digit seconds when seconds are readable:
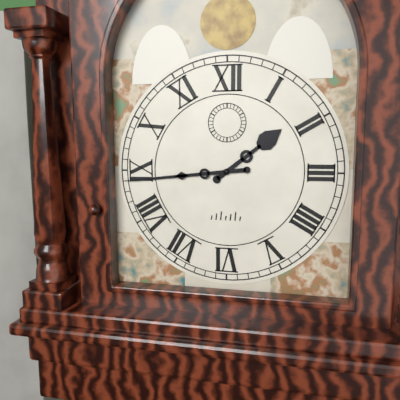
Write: 1,44
